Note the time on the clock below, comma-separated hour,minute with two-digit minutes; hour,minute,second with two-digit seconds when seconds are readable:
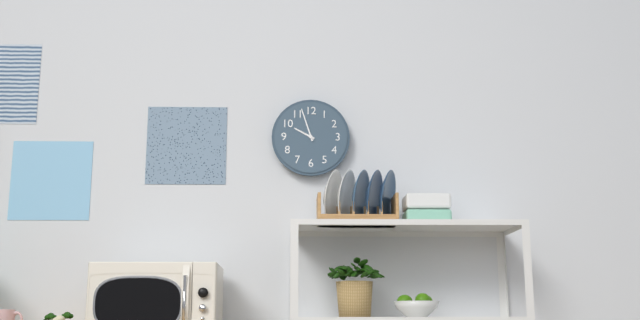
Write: 9,57
